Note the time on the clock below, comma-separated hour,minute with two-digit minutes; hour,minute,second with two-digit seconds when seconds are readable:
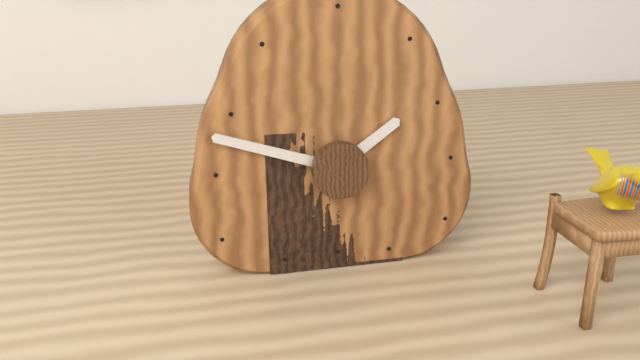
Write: 1,48
